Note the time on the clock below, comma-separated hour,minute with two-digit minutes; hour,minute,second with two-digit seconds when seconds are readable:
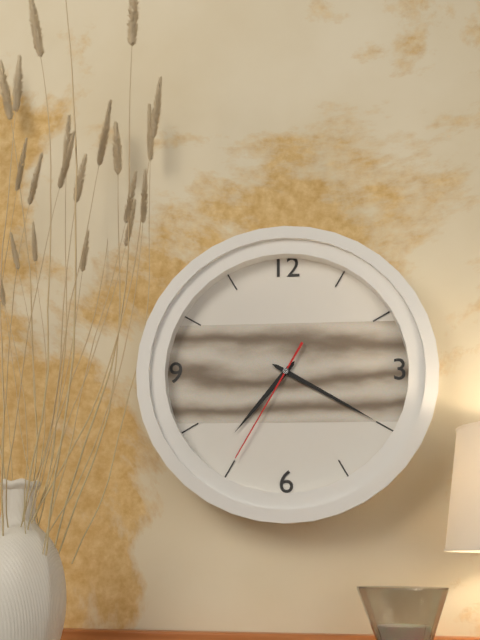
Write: 7,20,35
